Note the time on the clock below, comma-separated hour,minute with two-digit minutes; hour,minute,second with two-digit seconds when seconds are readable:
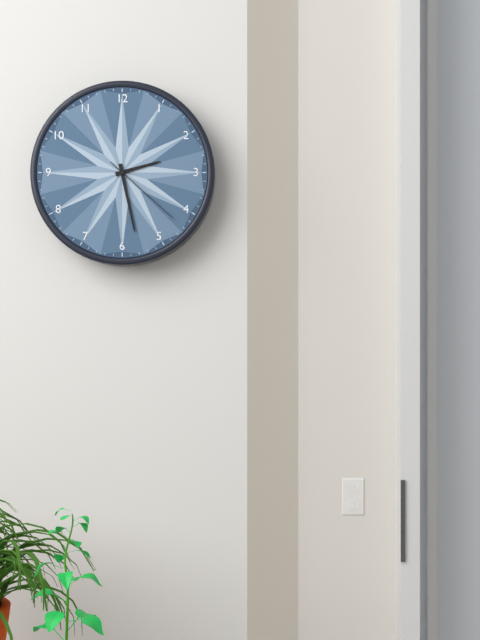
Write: 2,28,22
